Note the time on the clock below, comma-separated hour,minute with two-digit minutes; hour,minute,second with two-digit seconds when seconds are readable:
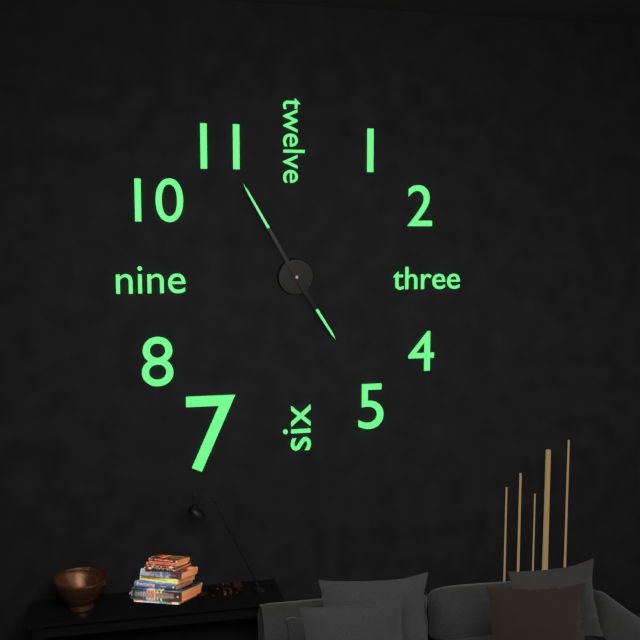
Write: 4,55
